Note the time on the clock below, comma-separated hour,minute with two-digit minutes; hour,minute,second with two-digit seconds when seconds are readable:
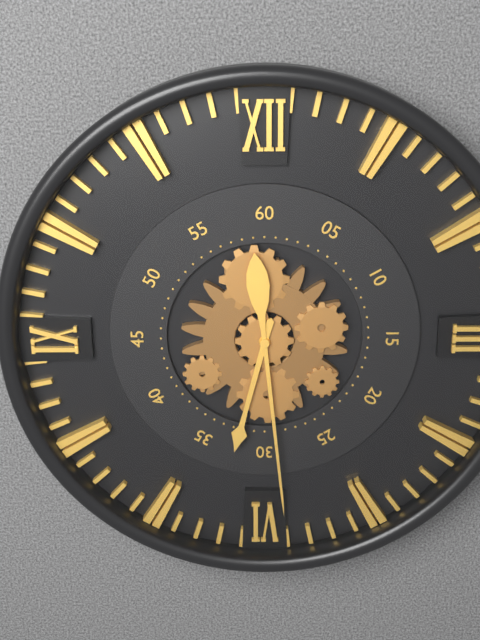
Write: 6,29
